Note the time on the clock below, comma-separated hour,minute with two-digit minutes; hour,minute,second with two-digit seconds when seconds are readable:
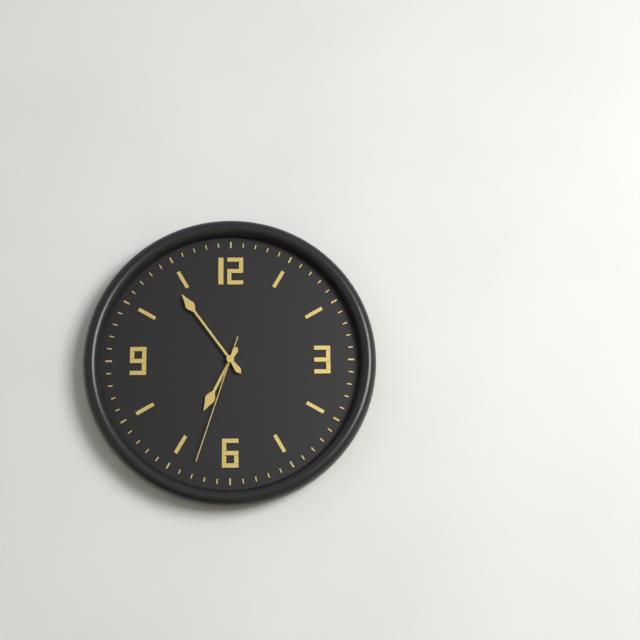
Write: 6,54,33
